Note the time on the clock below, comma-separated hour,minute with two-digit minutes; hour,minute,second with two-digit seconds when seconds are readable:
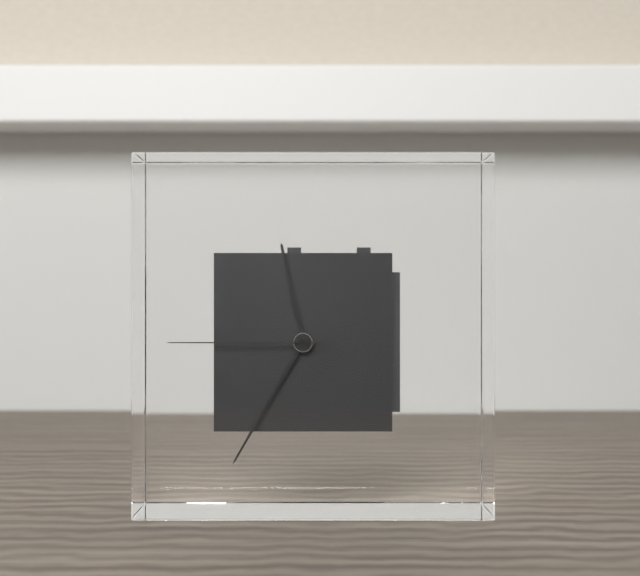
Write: 11,35,45
